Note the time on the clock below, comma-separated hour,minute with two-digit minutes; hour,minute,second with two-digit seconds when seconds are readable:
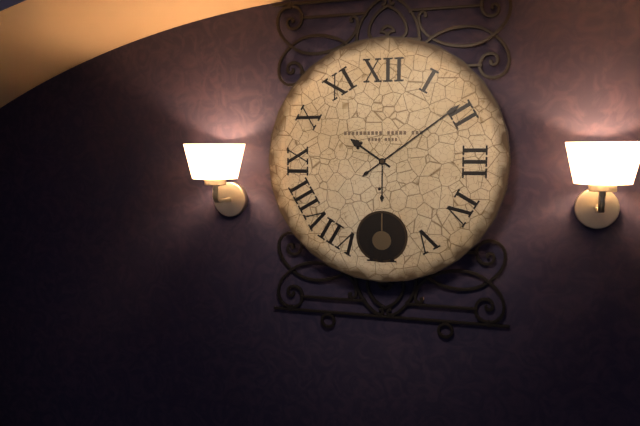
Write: 10,09
